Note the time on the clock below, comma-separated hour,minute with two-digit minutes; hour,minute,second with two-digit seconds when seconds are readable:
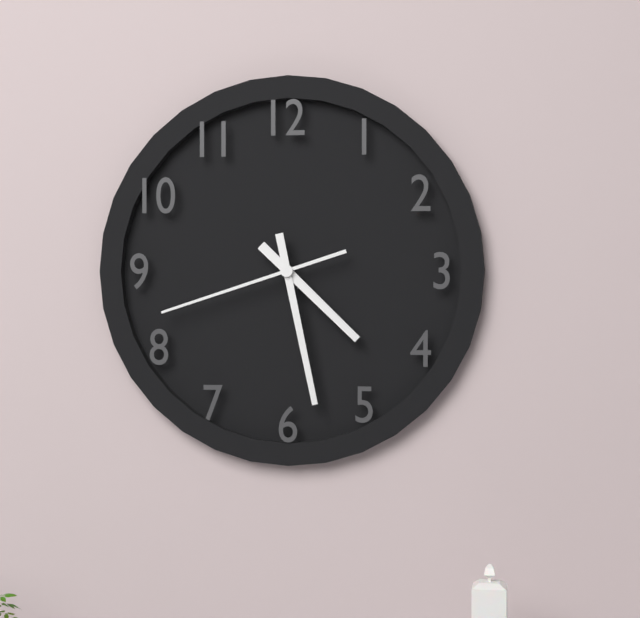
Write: 4,28,42
